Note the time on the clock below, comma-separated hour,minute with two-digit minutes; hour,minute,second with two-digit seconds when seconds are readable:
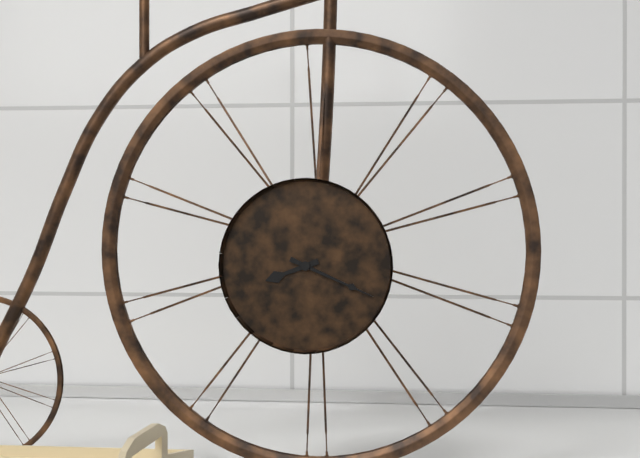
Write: 8,19
